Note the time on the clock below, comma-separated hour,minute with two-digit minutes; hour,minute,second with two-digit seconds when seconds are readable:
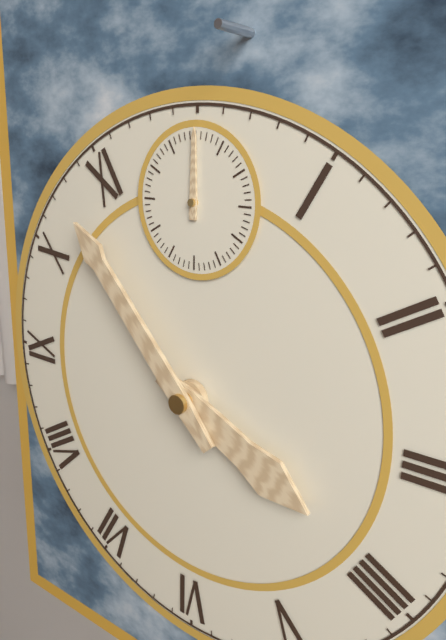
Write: 3,53,00
